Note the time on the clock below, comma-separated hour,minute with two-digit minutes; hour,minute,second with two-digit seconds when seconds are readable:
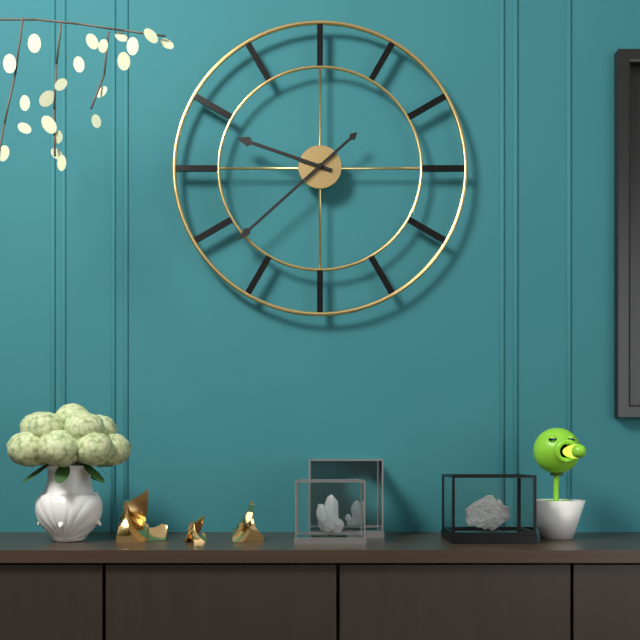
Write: 9,38
